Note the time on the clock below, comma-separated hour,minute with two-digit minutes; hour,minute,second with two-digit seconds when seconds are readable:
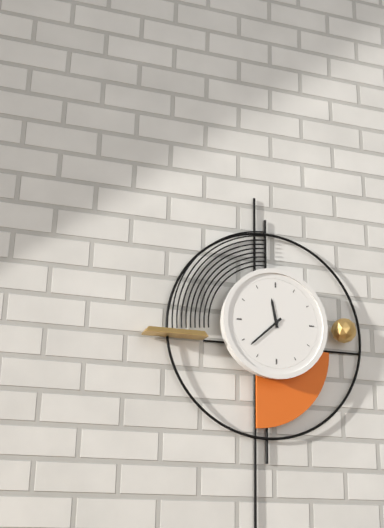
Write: 11,38
